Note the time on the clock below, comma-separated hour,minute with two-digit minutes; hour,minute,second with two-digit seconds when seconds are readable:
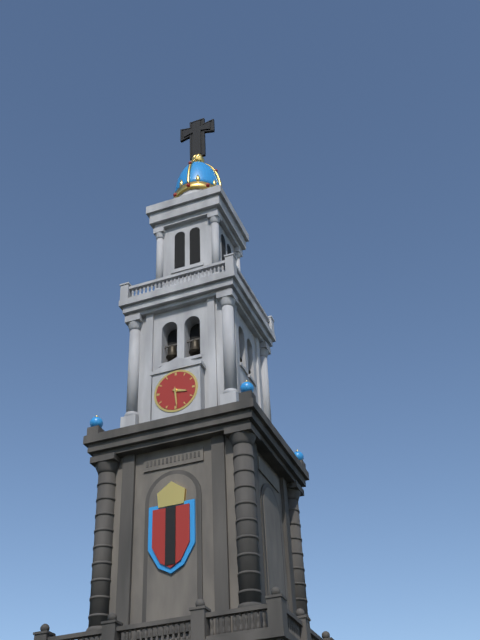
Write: 3,29
